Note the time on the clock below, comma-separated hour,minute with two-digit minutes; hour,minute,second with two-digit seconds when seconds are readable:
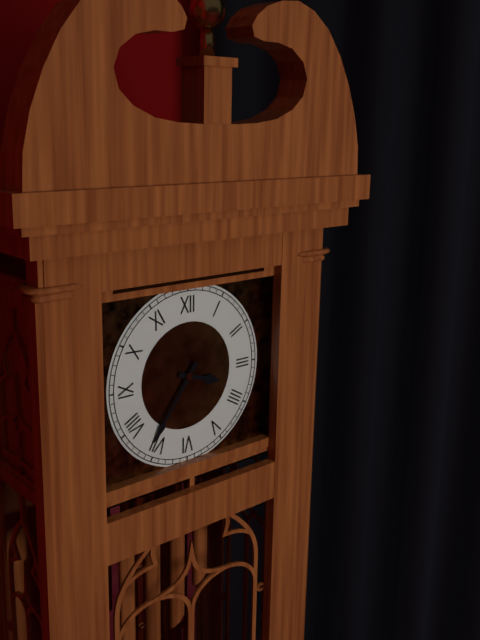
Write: 3,36
